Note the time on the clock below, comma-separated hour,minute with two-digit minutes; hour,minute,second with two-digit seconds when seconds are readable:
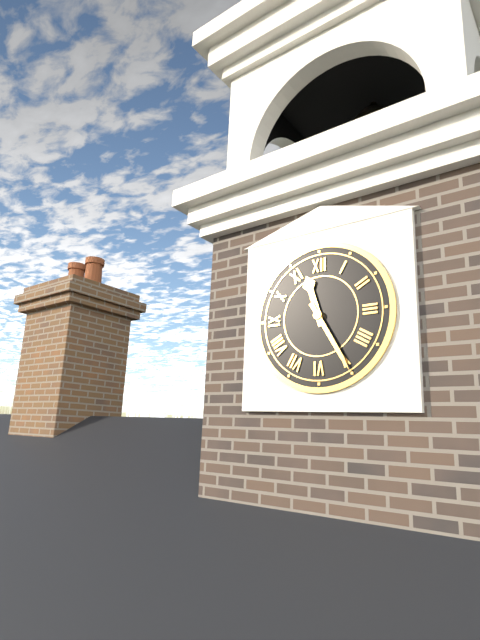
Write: 11,25
